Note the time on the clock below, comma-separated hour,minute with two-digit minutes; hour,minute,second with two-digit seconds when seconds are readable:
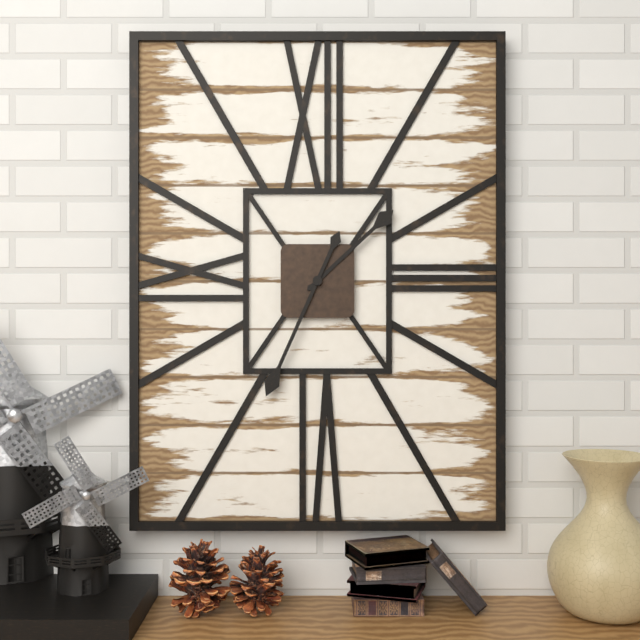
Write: 1,34
